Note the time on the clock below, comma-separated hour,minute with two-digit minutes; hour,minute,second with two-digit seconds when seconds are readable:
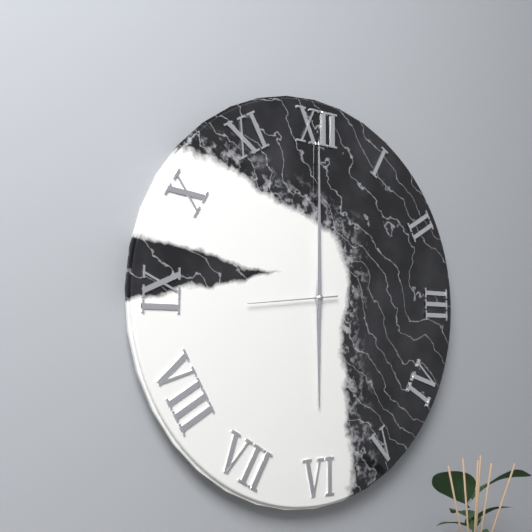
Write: 6,00,44
